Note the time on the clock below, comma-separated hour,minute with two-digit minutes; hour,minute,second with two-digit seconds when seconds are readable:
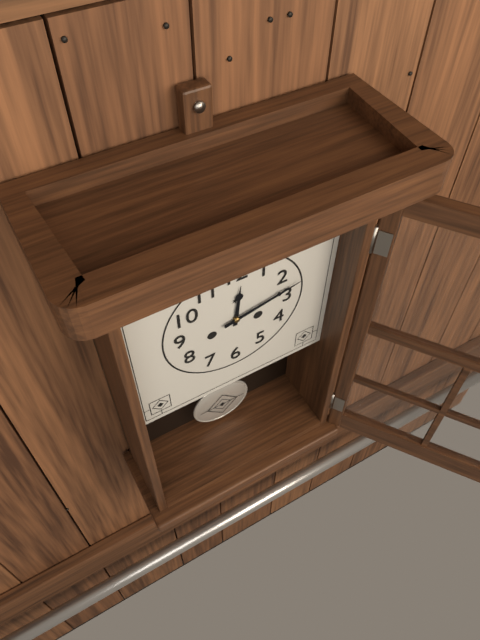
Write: 12,13
